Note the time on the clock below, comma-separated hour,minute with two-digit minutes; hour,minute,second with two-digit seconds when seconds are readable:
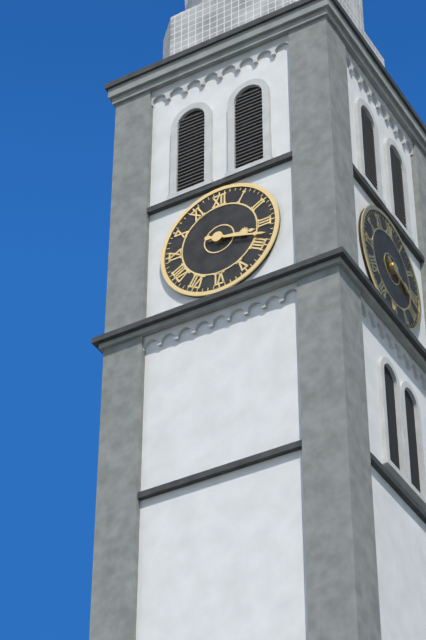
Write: 3,18
